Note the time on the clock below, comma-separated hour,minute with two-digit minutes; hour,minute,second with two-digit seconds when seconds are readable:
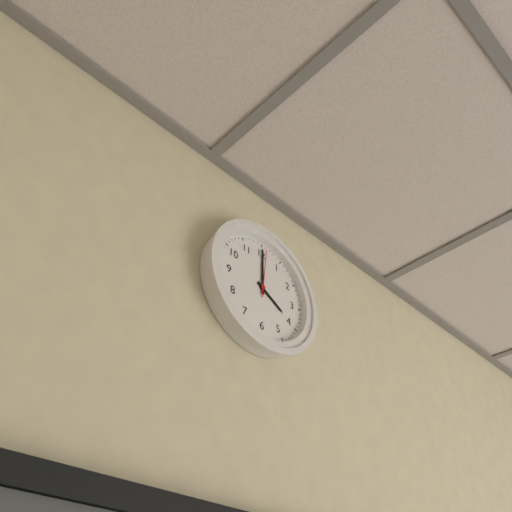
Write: 4,00
